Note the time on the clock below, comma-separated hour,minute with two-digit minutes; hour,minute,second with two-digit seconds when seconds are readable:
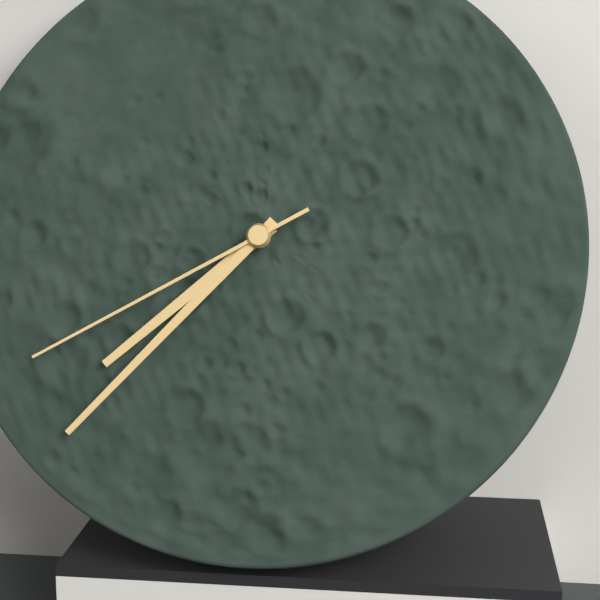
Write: 7,37,40
